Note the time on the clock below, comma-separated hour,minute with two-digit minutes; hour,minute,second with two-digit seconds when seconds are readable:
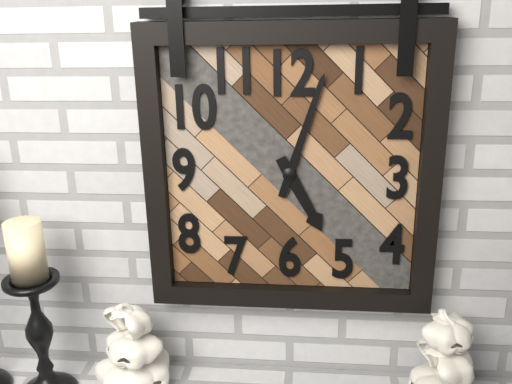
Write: 5,03
